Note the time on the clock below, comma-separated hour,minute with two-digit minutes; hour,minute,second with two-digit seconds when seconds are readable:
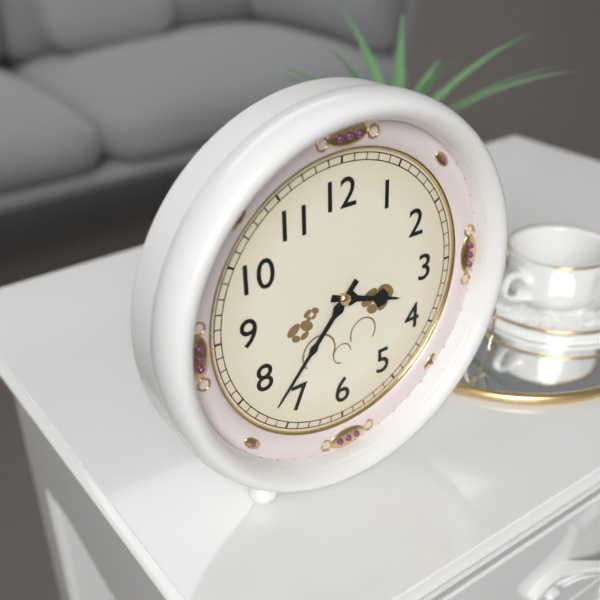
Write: 3,37
